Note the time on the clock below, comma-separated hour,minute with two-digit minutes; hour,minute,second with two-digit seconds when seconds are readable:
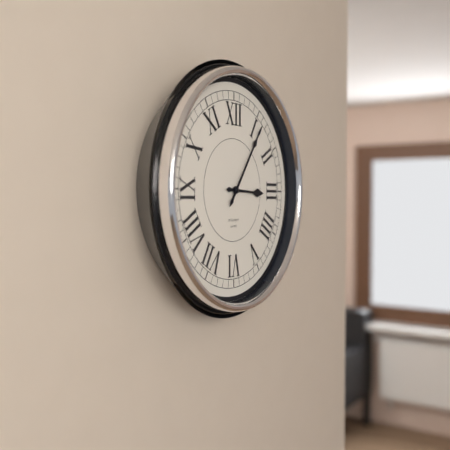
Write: 3,06
